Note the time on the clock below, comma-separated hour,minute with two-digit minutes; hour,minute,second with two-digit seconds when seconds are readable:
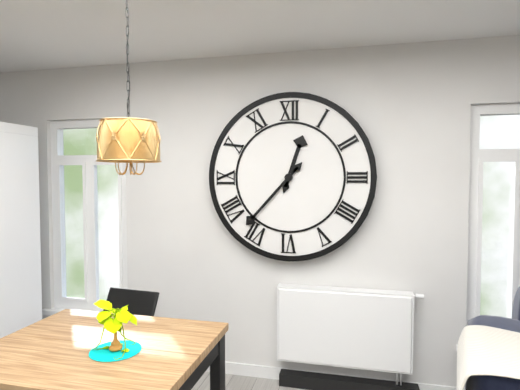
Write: 12,37
